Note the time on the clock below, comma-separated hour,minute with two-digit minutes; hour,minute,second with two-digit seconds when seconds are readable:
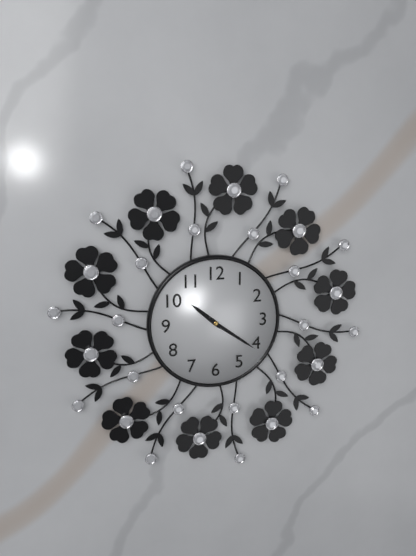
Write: 10,21
